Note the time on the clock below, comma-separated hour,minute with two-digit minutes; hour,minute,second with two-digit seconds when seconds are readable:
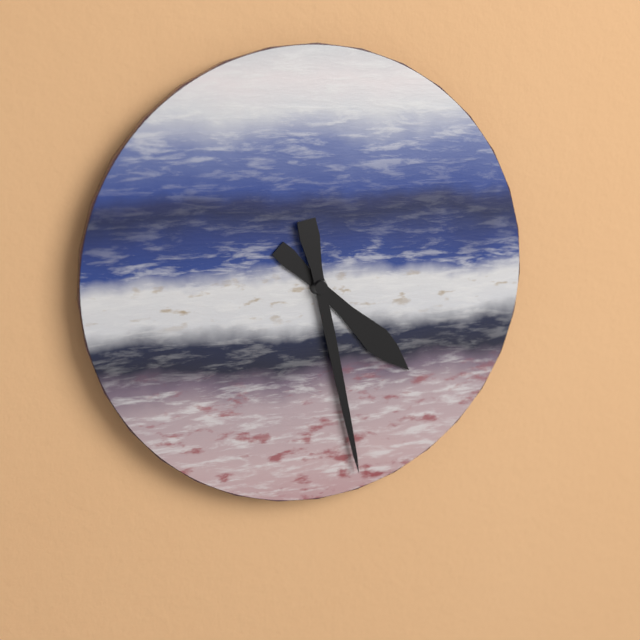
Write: 4,28
